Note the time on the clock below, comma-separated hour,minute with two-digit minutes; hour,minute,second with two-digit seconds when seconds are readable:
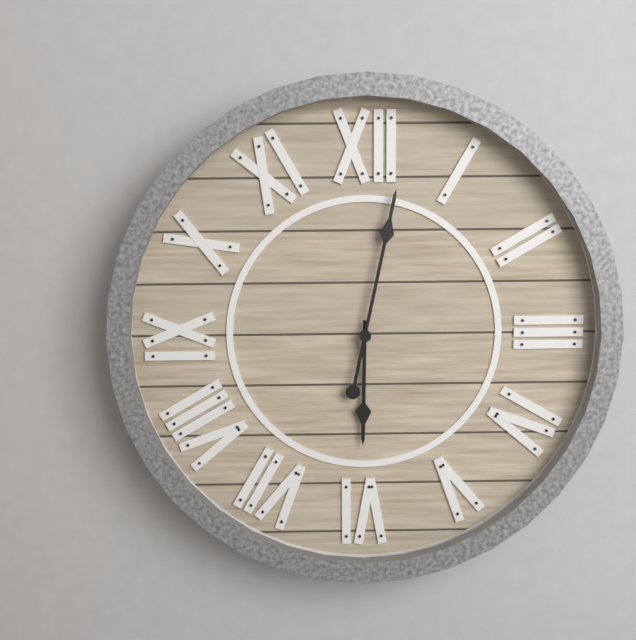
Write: 6,02
